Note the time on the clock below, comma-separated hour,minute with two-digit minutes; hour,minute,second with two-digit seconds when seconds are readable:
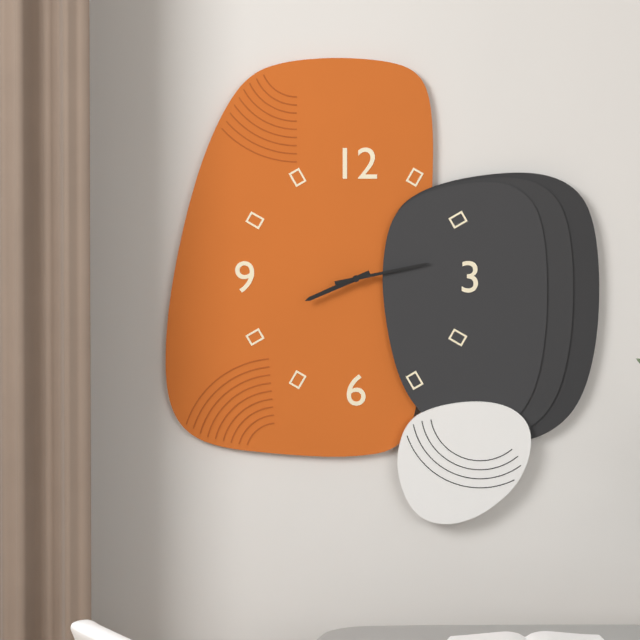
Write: 8,13
